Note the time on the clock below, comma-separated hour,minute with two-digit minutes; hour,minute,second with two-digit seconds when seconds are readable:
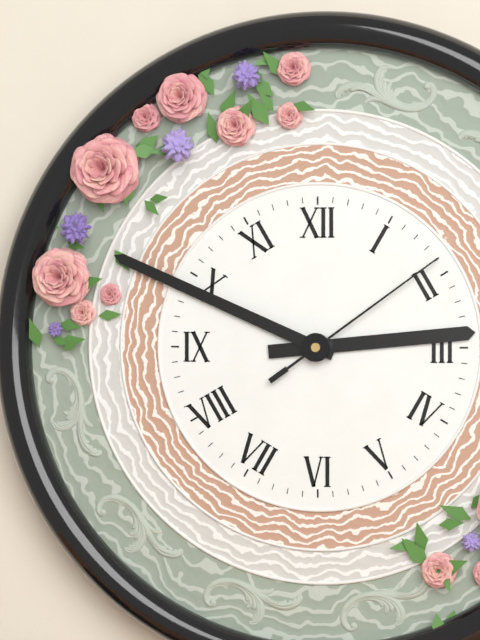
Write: 2,49,09
